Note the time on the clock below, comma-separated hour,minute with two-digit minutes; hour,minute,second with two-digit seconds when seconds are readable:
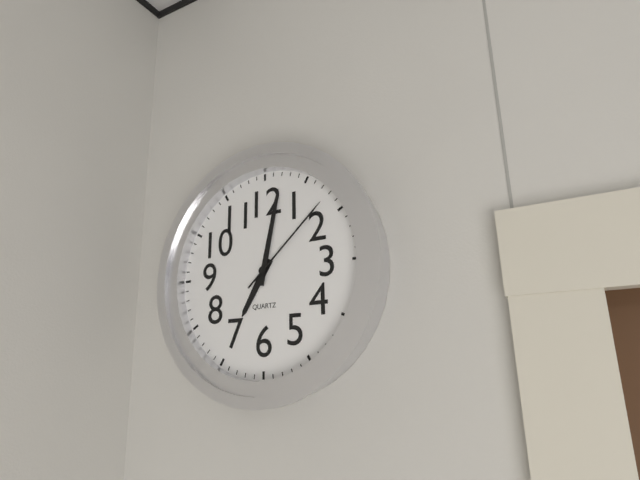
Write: 7,02,08
